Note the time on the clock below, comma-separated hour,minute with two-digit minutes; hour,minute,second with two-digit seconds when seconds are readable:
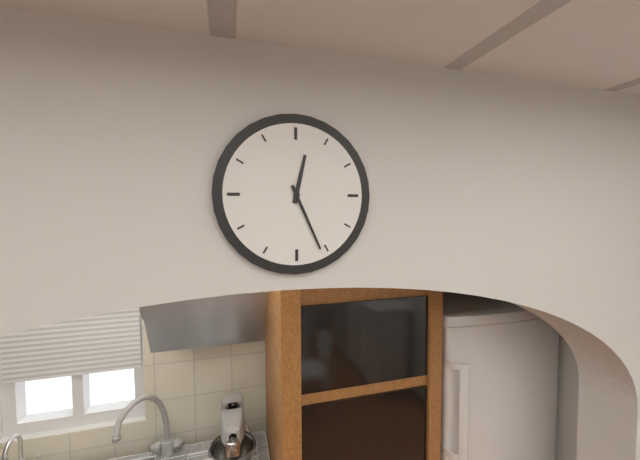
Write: 12,26
